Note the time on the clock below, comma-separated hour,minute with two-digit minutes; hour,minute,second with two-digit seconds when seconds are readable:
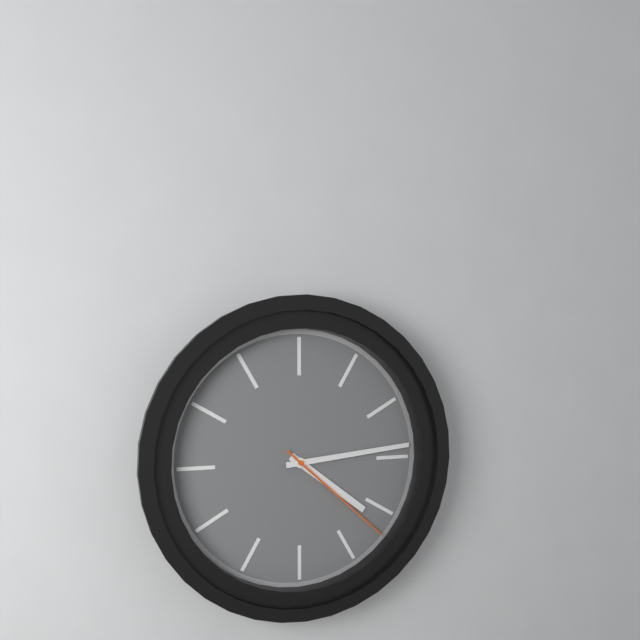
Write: 4,14,22
